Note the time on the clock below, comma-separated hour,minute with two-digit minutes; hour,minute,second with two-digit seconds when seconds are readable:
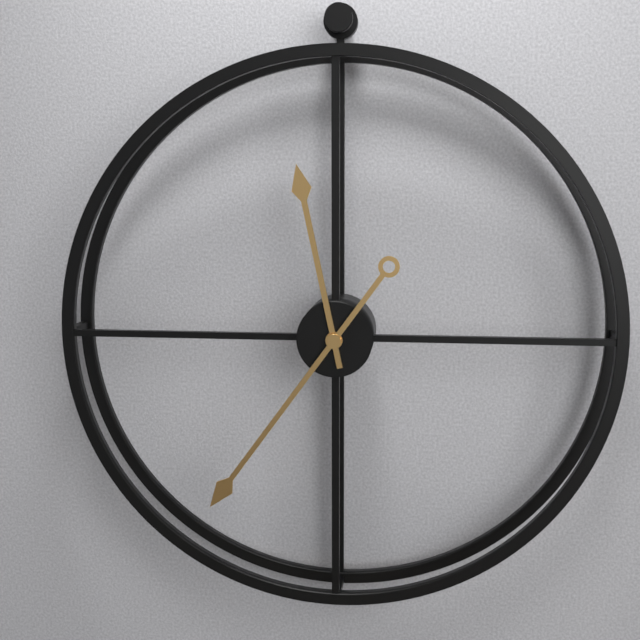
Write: 11,36
